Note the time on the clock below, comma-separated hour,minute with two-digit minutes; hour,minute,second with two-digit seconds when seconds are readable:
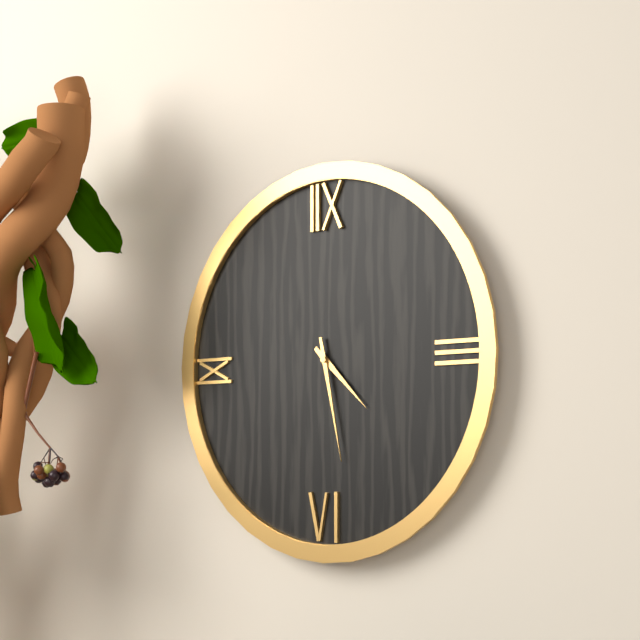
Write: 4,28
